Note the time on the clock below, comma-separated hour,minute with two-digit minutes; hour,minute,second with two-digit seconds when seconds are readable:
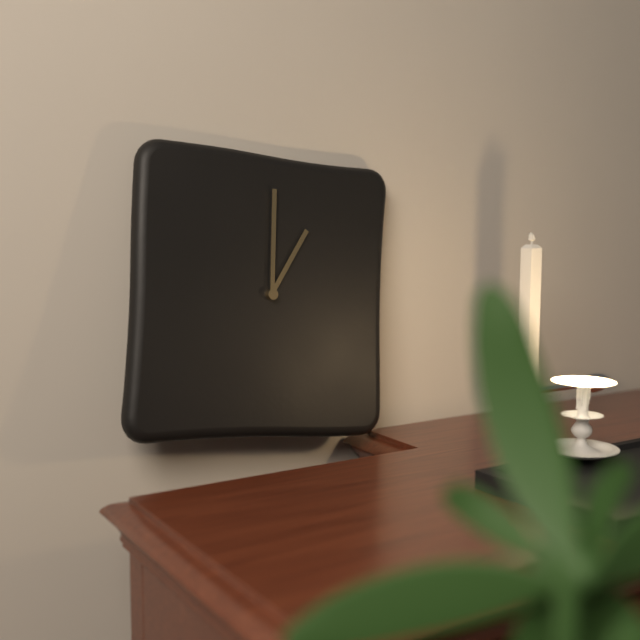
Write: 1,00
